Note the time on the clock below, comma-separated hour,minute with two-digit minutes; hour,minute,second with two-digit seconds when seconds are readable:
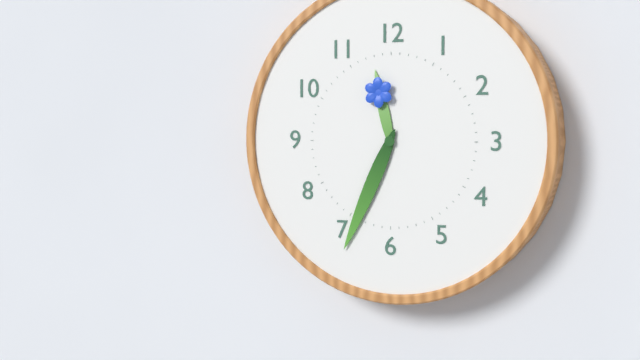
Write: 11,34
